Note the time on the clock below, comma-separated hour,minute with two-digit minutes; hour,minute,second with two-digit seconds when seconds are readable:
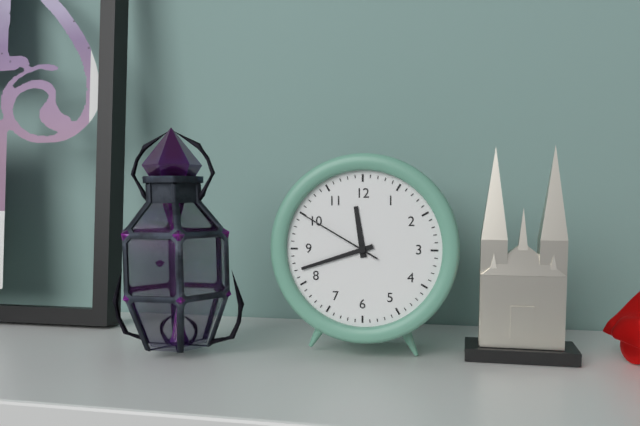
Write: 11,42,50
